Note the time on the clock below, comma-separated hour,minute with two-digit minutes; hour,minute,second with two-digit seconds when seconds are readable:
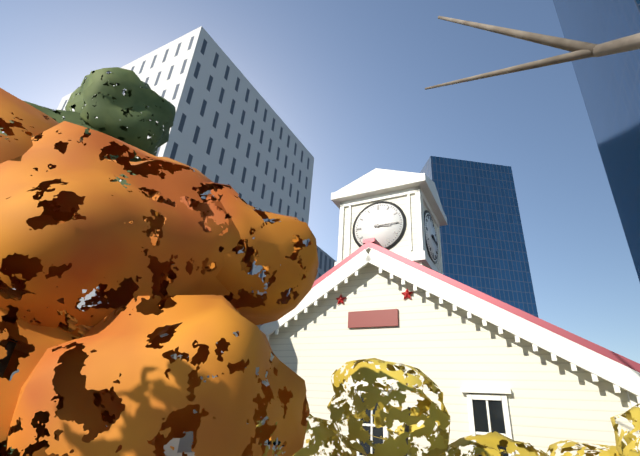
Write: 3,15
